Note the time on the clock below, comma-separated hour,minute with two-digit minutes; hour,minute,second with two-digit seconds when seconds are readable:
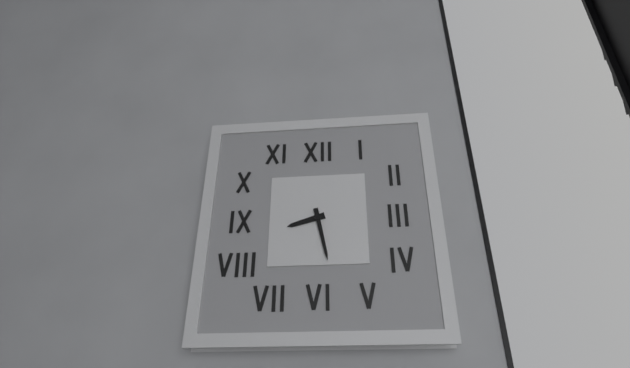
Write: 8,28
